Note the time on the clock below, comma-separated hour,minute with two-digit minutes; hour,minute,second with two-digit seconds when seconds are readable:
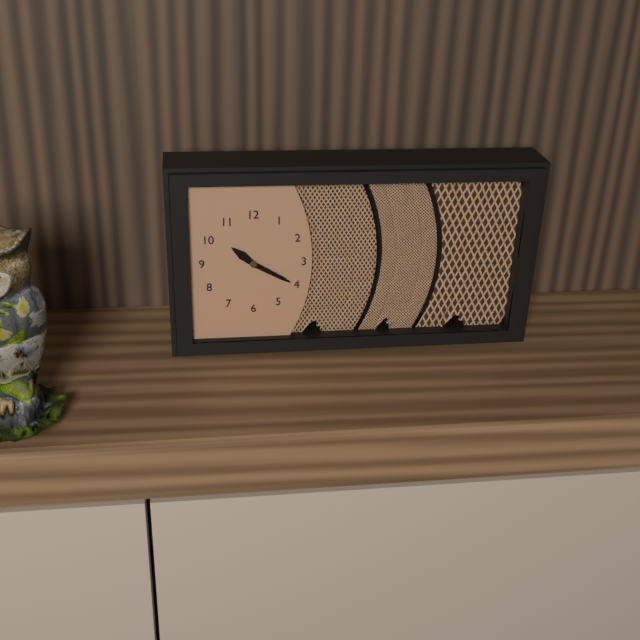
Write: 10,20
